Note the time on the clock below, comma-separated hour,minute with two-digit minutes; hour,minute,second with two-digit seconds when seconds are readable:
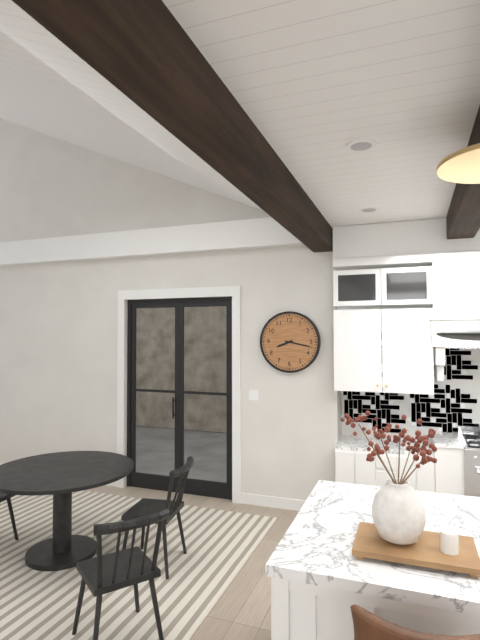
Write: 8,17
